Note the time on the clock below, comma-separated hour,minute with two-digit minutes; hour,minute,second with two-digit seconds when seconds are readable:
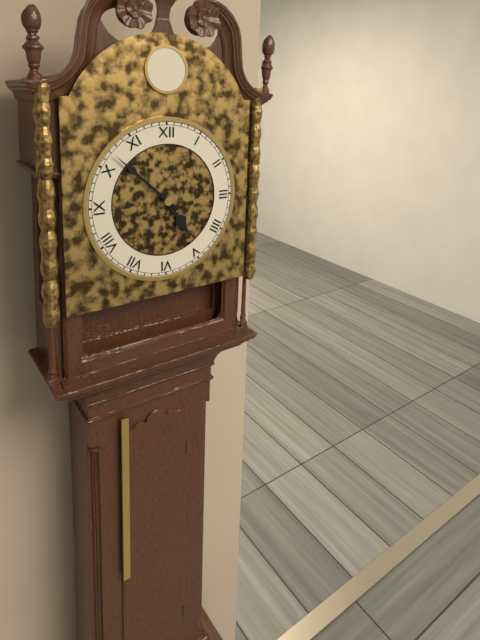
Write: 4,52
